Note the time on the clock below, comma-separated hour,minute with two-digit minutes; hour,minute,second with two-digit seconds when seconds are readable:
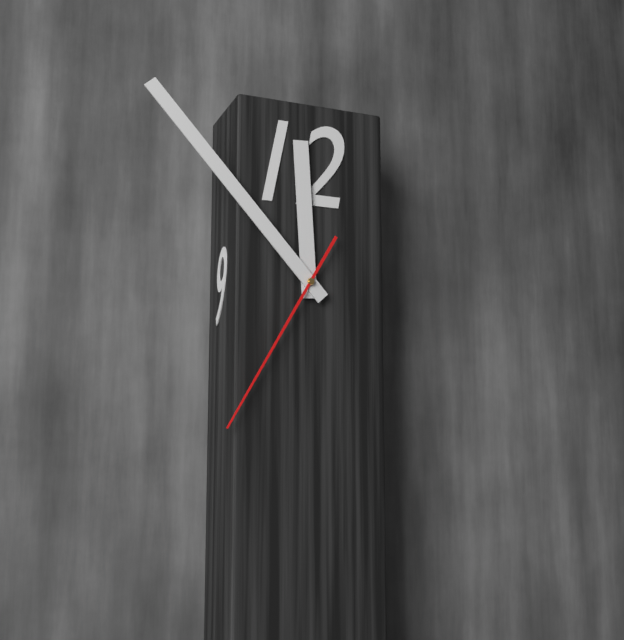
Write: 11,53,35
